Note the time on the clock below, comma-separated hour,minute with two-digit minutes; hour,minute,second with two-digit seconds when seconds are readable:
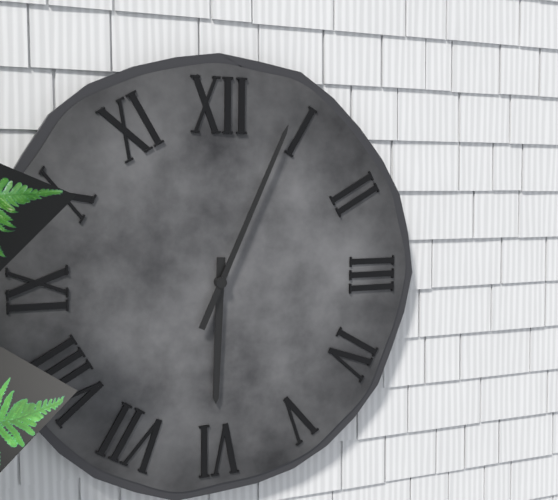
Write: 6,04
